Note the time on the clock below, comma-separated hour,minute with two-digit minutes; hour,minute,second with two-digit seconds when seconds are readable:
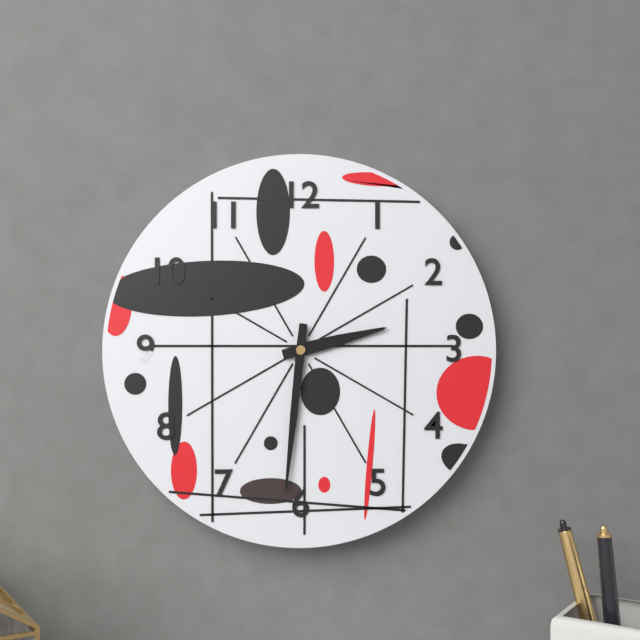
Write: 2,31
